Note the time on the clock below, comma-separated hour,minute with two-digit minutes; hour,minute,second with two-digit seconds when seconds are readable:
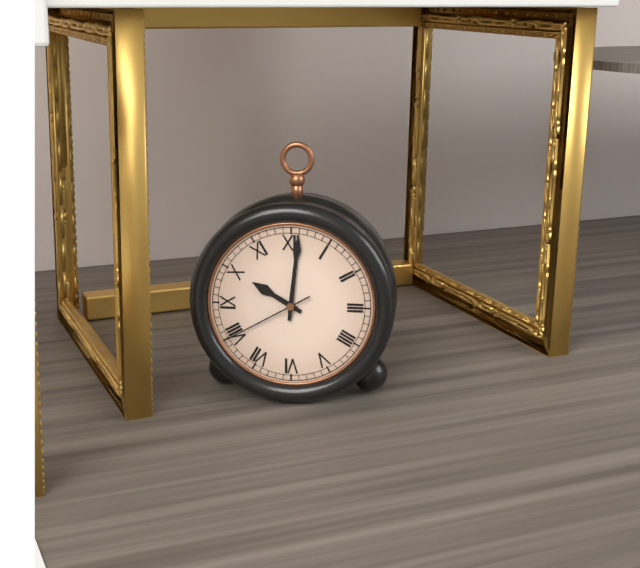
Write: 10,01,40
